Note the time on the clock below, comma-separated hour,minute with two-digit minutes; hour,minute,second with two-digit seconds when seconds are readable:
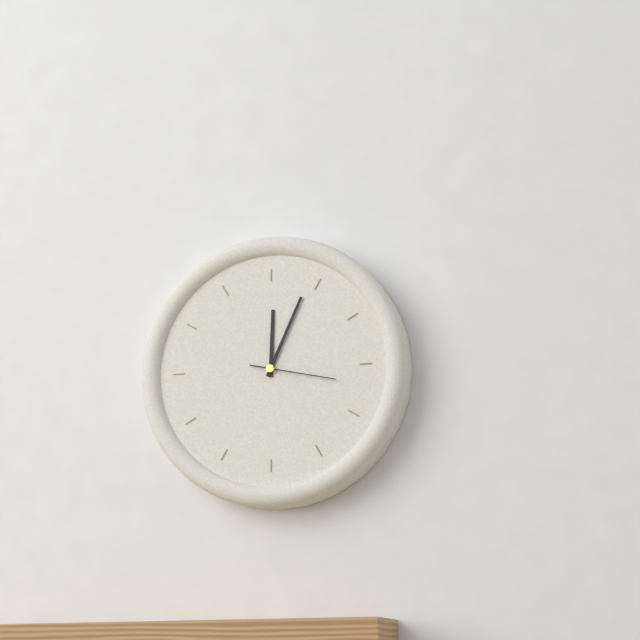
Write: 12,04,17
